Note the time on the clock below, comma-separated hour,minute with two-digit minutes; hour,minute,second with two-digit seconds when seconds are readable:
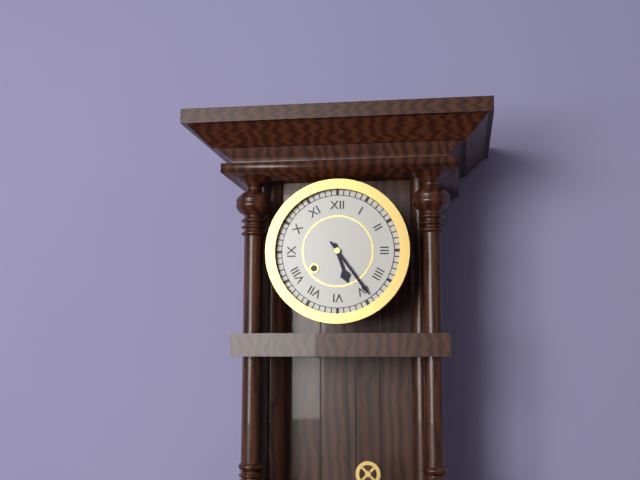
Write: 5,24
